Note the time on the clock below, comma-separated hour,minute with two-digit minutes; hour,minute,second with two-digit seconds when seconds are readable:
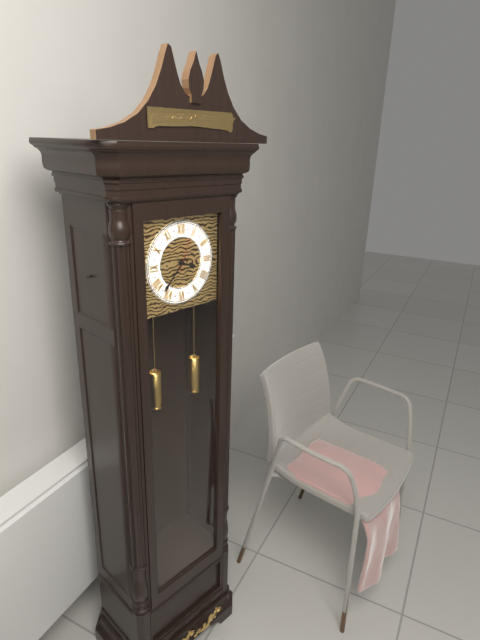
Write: 3,37
